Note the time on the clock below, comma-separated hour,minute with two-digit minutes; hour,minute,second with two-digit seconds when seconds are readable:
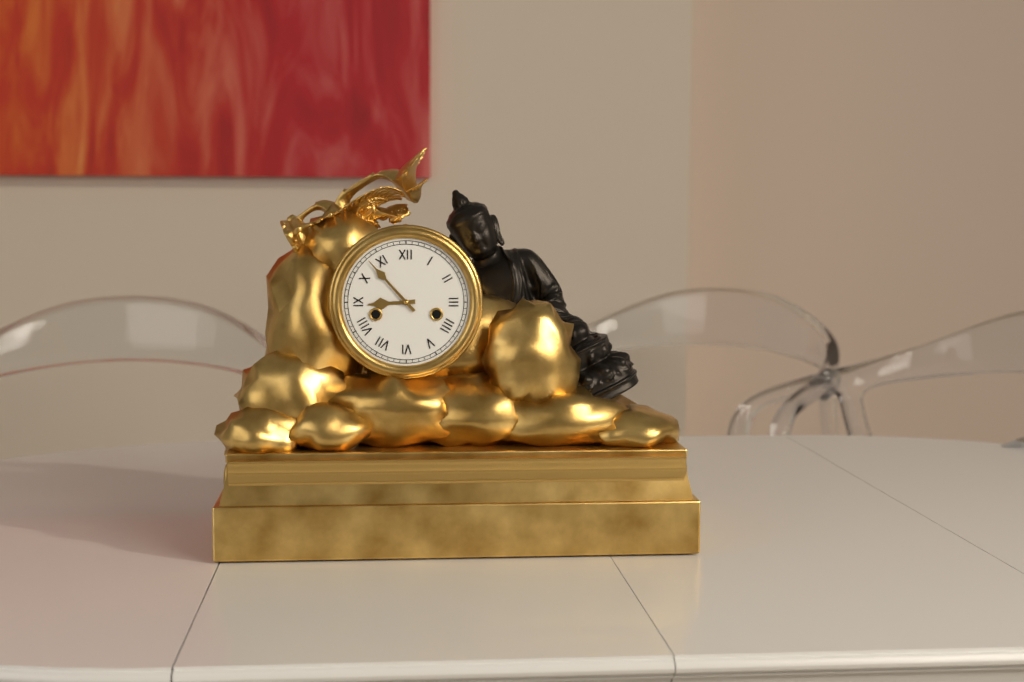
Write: 8,53
